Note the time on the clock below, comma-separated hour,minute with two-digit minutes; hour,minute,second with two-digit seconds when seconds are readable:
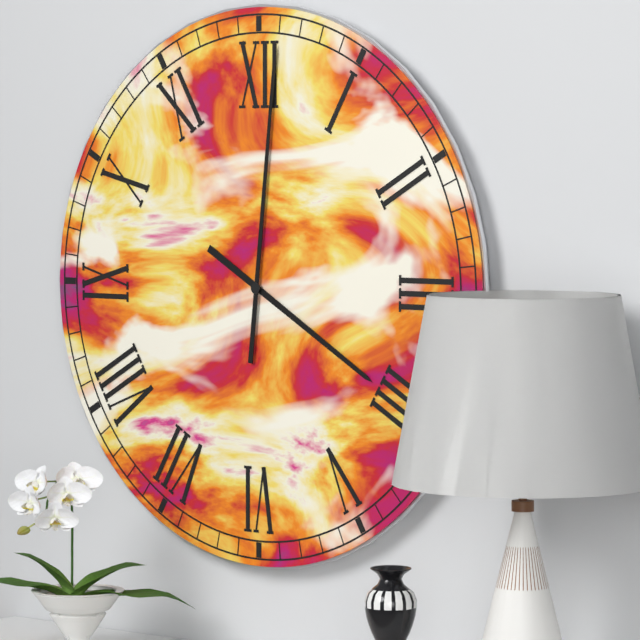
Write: 4,01
